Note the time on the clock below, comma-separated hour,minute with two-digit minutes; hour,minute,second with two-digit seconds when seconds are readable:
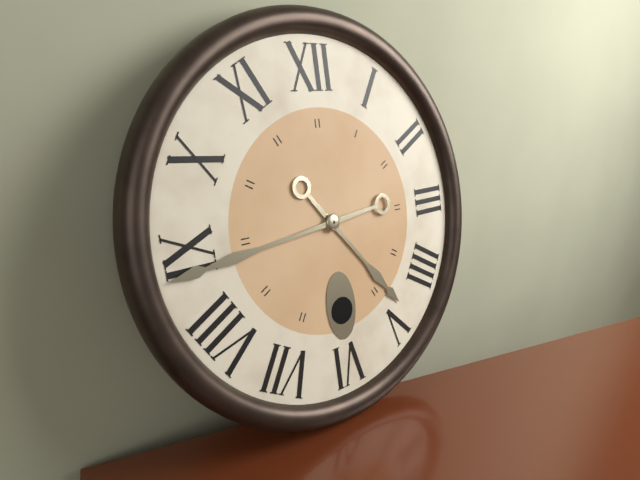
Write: 4,44
